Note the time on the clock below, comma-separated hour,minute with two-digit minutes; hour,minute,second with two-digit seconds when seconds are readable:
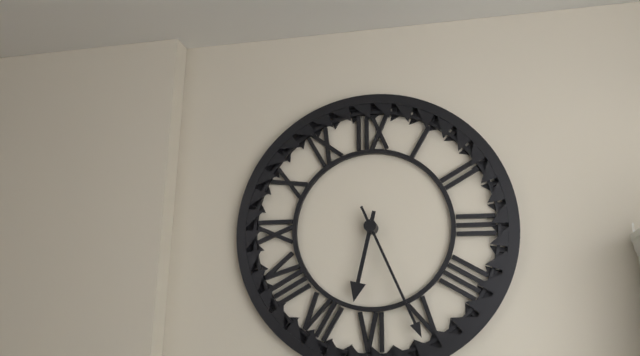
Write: 6,26
